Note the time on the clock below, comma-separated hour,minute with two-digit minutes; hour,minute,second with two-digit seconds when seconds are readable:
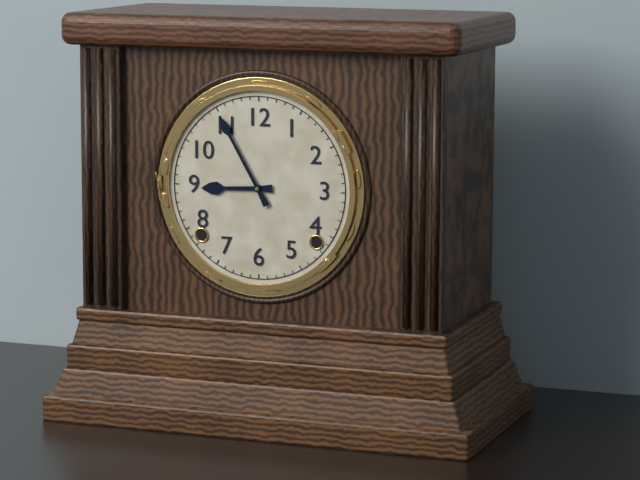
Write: 8,55
